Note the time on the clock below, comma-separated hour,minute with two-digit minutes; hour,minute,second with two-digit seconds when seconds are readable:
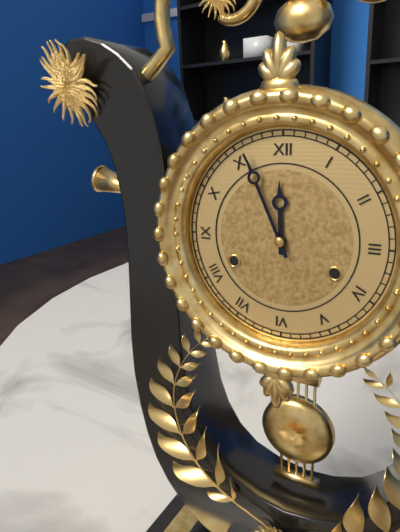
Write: 11,56
